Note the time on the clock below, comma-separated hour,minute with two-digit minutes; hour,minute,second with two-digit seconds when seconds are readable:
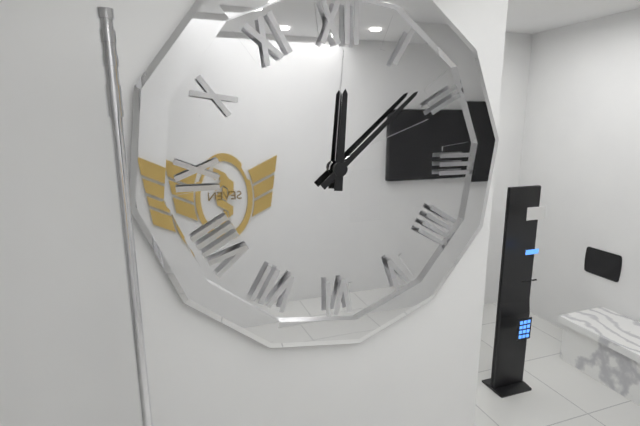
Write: 12,08
